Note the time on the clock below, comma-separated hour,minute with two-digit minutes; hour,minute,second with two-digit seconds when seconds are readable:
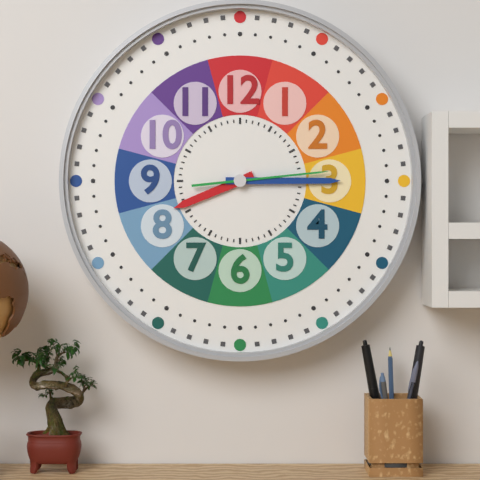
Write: 8,15,14
